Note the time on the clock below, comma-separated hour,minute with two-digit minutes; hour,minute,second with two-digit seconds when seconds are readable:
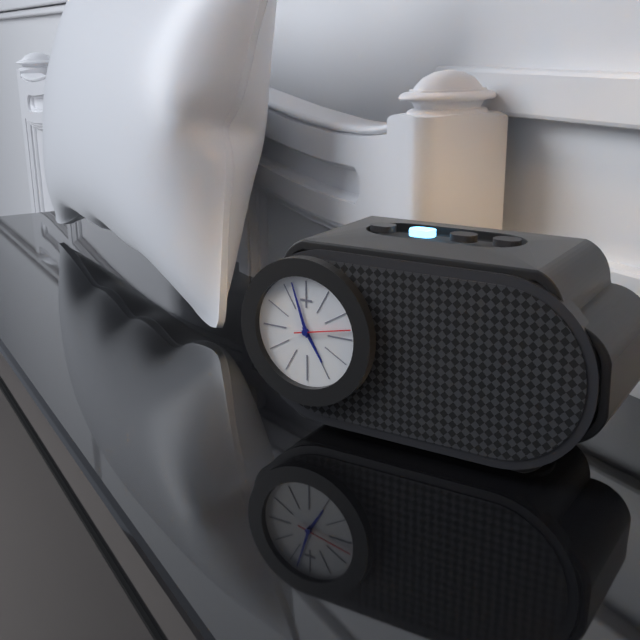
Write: 4,57
